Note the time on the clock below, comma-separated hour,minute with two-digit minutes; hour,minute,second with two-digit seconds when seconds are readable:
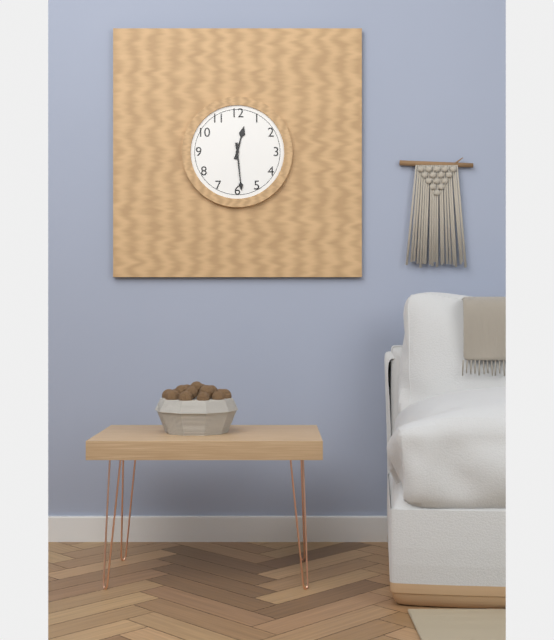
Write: 12,29
